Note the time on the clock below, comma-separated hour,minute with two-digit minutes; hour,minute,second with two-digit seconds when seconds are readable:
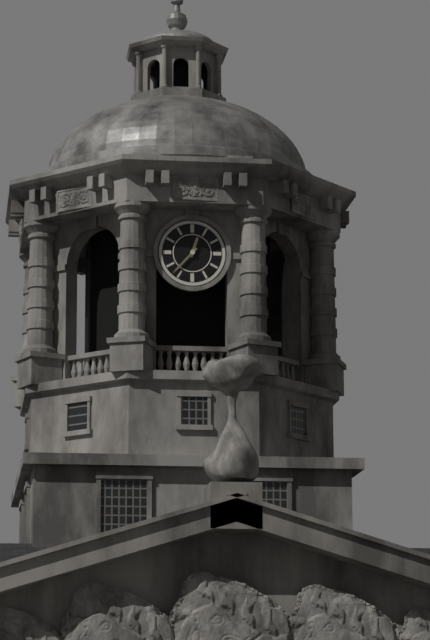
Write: 12,37
